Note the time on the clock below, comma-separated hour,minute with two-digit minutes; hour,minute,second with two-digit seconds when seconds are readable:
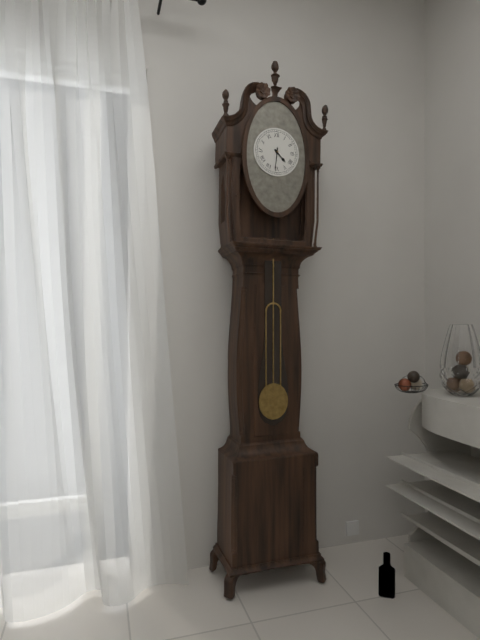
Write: 4,31
